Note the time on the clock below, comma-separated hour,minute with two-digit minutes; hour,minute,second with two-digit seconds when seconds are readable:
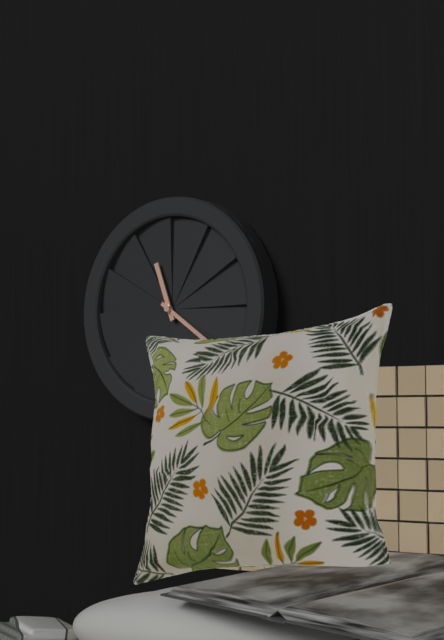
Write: 11,21
